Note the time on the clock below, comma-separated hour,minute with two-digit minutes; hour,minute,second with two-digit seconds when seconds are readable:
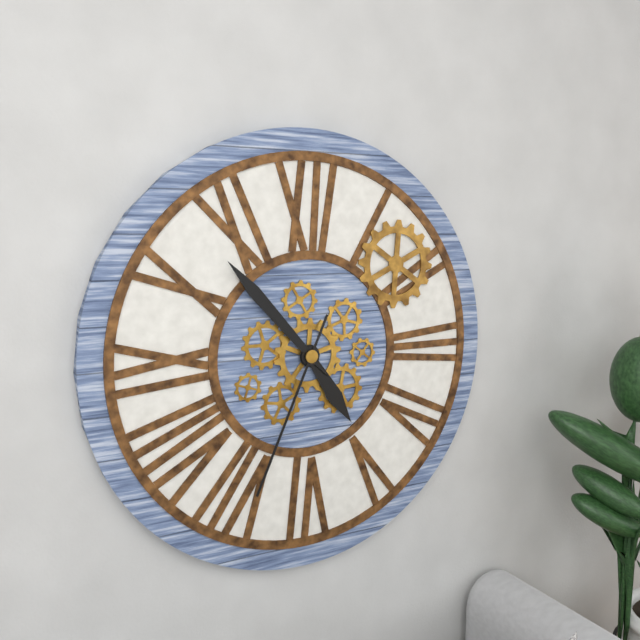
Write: 4,53,34
